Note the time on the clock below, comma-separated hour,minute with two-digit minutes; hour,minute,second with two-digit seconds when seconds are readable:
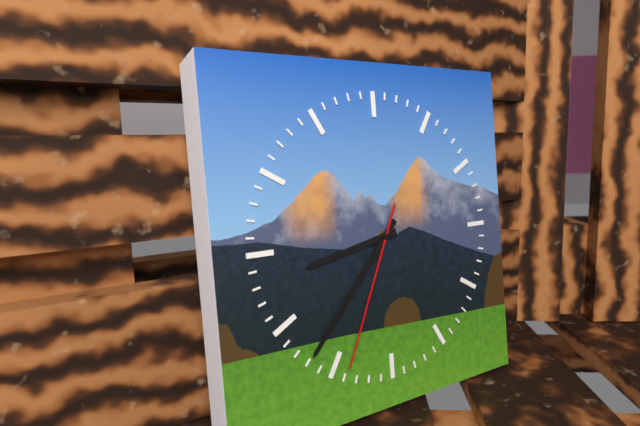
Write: 8,37,34
